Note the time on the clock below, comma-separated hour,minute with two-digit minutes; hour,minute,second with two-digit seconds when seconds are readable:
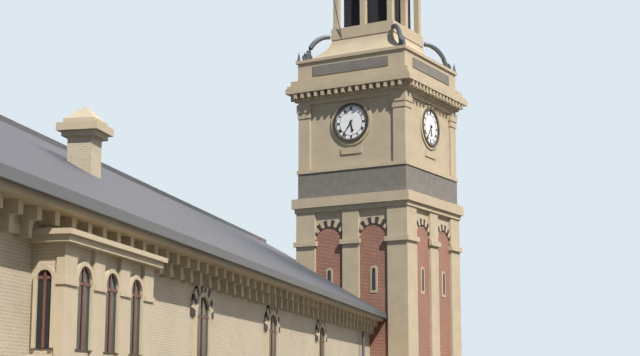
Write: 5,36
